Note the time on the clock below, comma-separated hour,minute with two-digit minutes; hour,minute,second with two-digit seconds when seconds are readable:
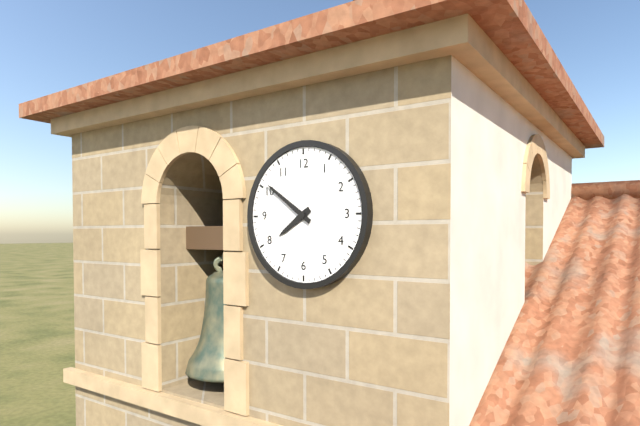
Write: 7,51
